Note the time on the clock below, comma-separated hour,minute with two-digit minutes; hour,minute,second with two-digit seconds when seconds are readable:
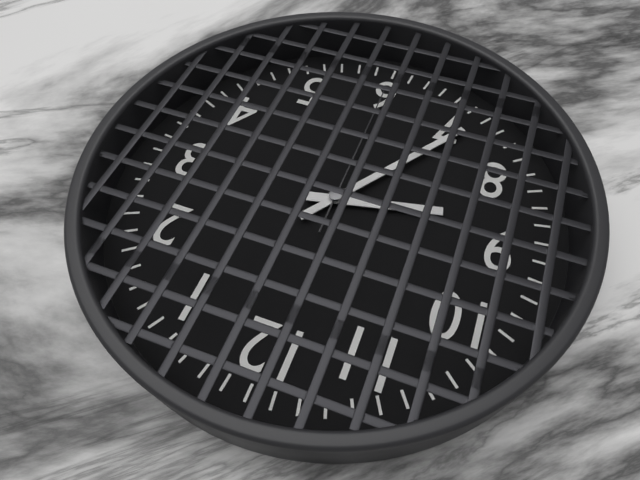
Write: 8,36,30
